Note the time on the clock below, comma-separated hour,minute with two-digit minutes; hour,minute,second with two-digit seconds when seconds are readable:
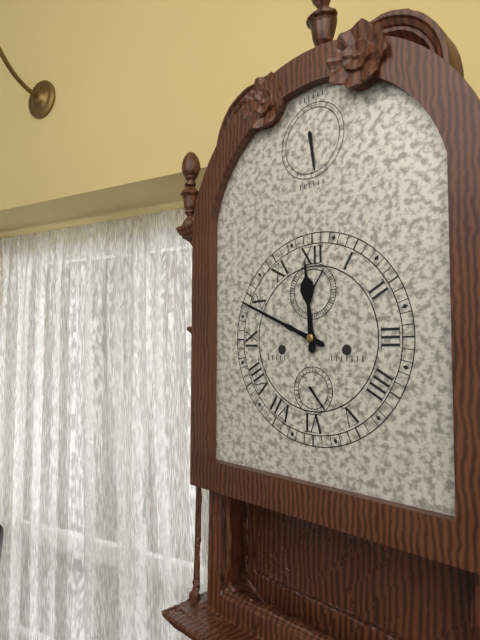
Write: 11,49
